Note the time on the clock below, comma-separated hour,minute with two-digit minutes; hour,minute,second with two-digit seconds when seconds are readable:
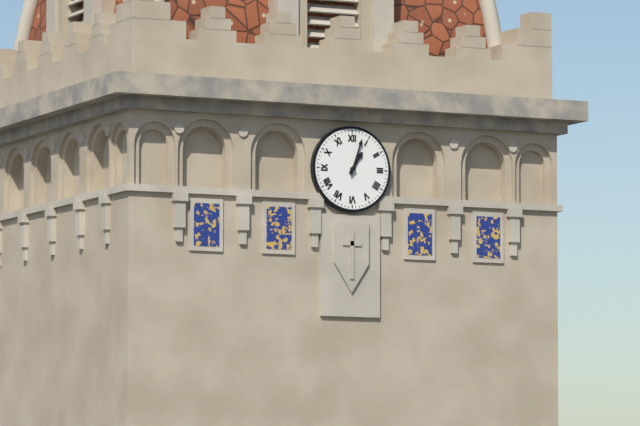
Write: 1,03
